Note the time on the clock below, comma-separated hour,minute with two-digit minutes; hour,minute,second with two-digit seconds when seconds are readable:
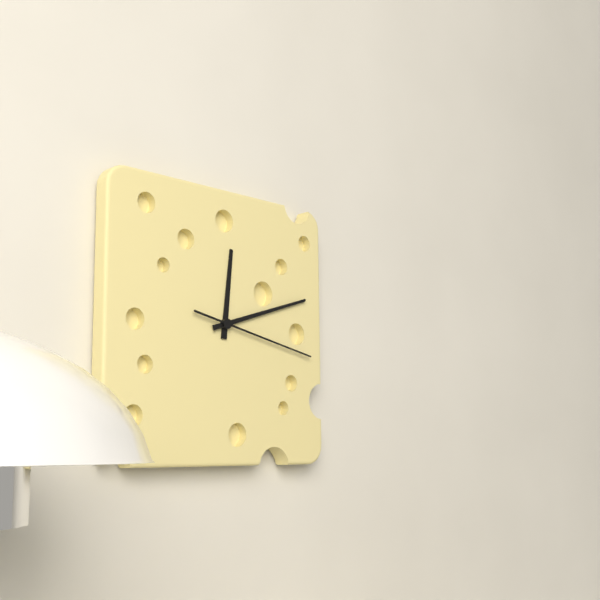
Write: 12,12,17
